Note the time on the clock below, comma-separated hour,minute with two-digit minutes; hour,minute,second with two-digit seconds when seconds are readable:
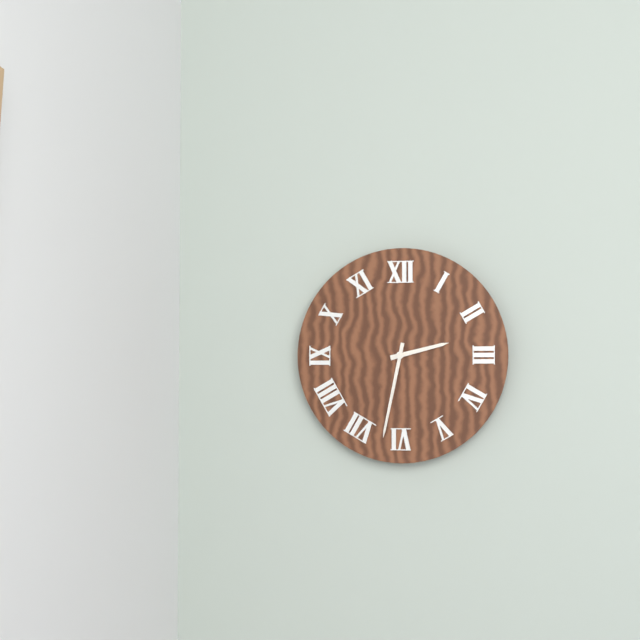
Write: 2,32
